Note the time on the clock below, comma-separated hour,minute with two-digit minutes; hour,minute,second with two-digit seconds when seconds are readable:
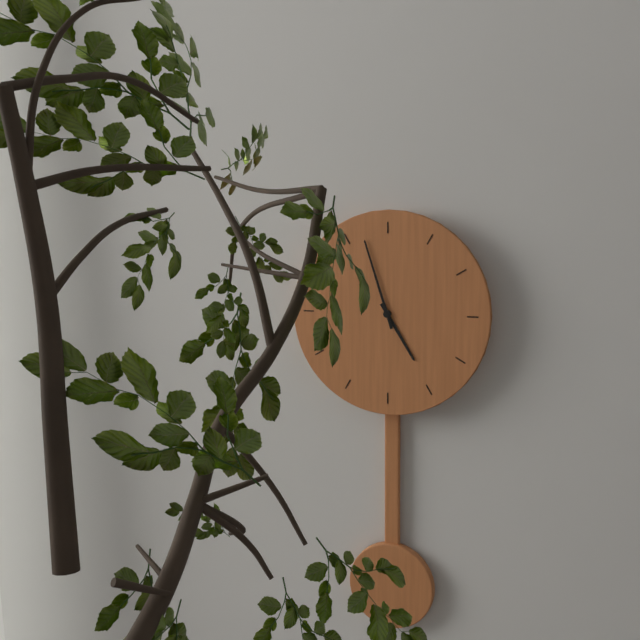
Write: 4,57
